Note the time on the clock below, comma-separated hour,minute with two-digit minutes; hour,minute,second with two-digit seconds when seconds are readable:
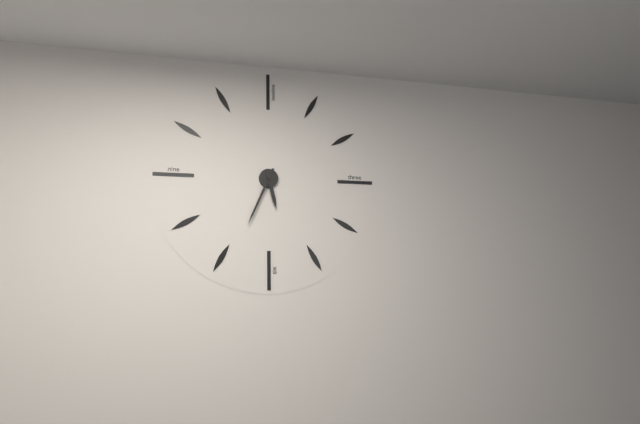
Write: 5,34
